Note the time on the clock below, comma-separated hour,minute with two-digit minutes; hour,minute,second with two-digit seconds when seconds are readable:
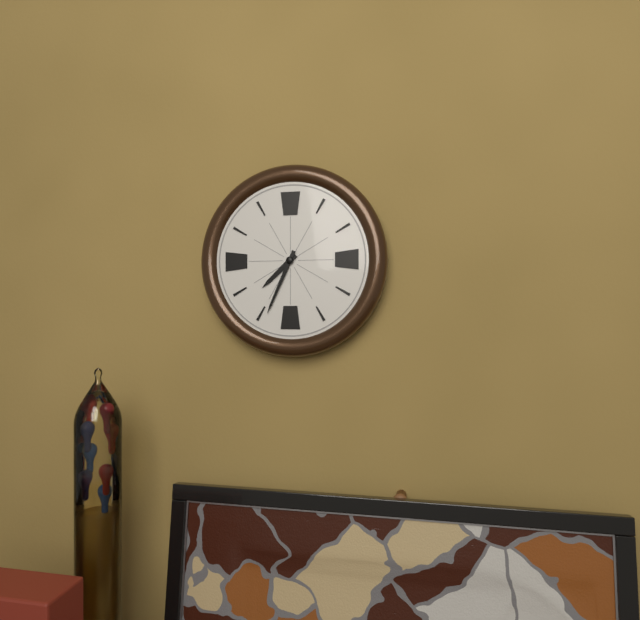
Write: 7,34
